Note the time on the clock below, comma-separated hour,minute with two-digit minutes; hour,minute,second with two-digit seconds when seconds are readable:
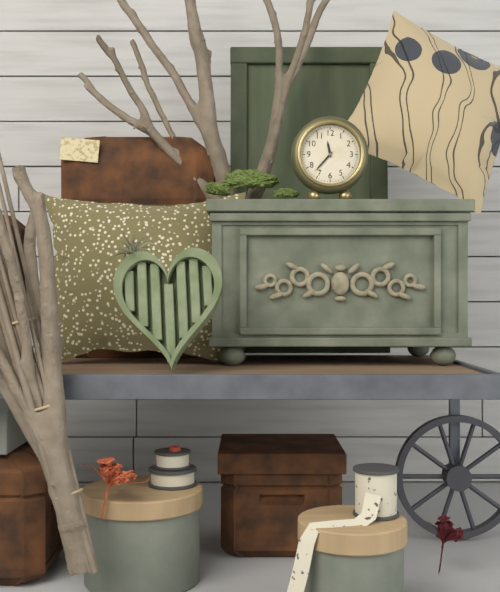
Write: 11,37
